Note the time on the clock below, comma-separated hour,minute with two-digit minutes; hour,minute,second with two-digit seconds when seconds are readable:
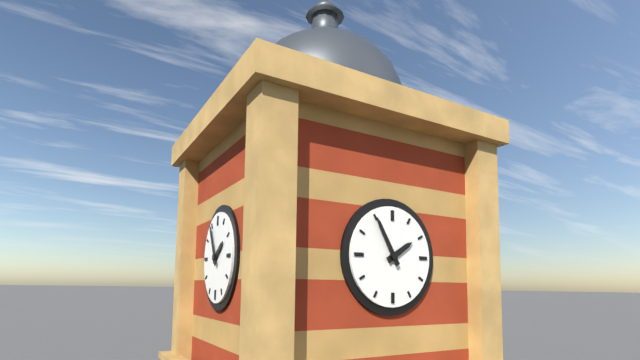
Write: 1,55
